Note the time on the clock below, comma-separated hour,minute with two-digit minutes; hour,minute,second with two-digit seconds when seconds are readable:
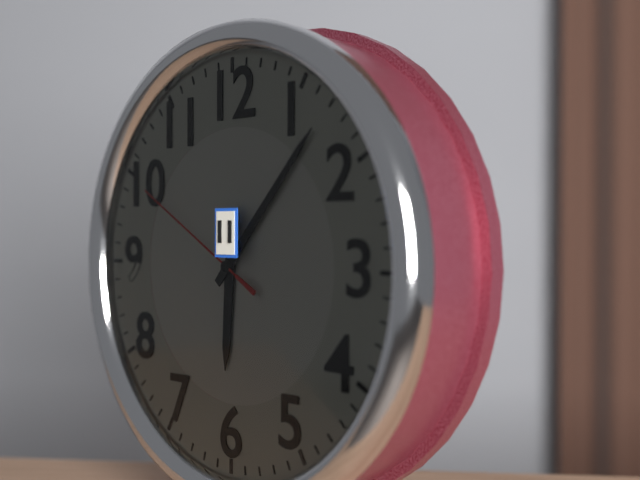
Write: 6,07,50
